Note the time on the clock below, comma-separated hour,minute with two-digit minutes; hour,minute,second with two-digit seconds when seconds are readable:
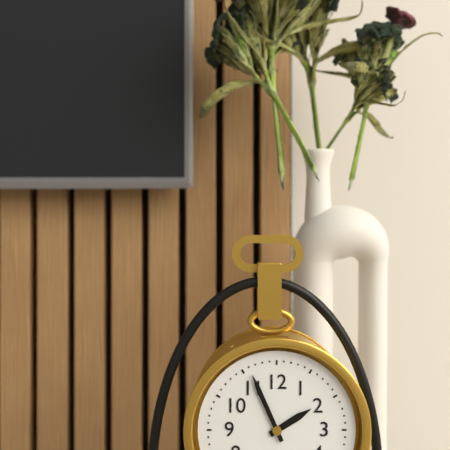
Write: 1,56
